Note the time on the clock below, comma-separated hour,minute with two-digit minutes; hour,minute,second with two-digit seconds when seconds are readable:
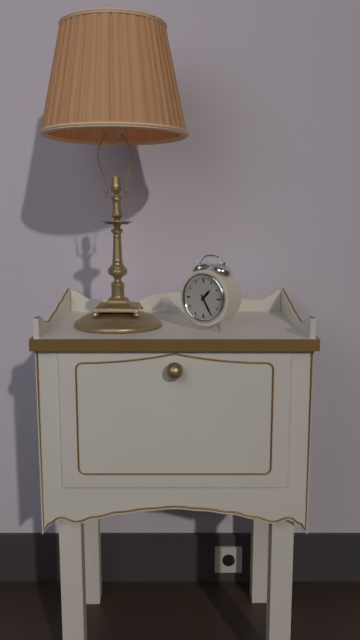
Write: 1,25
